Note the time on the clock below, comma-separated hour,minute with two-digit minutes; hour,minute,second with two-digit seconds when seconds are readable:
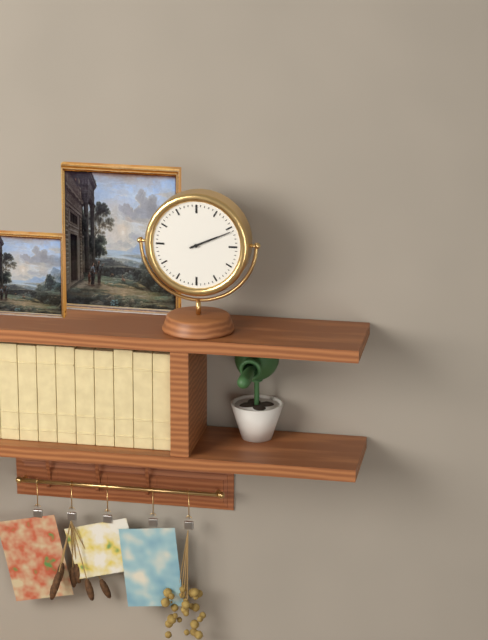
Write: 2,11
